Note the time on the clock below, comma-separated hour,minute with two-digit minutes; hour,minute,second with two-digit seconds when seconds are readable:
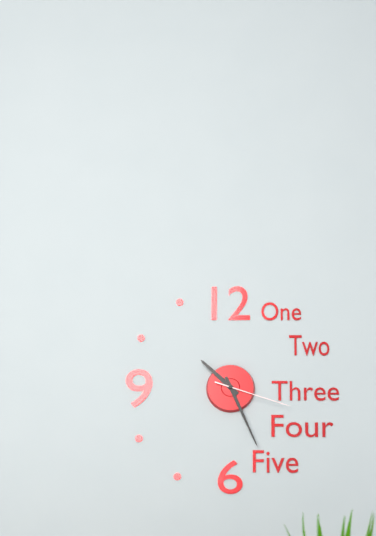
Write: 10,26,18
